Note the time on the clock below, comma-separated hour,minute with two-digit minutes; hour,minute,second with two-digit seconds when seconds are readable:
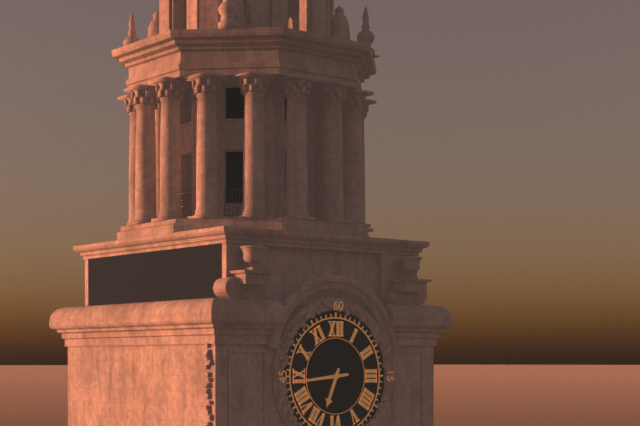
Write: 6,44
